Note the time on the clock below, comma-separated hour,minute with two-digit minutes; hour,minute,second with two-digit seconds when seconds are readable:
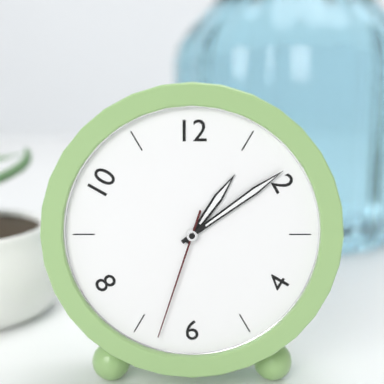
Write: 1,09,33
